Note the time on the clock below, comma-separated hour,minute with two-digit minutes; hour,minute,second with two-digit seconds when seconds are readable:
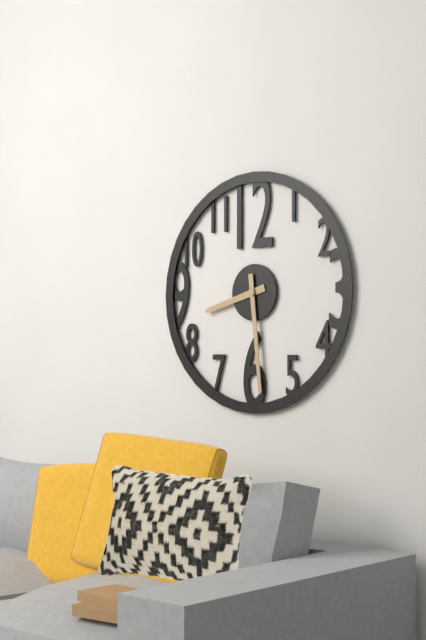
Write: 8,29
